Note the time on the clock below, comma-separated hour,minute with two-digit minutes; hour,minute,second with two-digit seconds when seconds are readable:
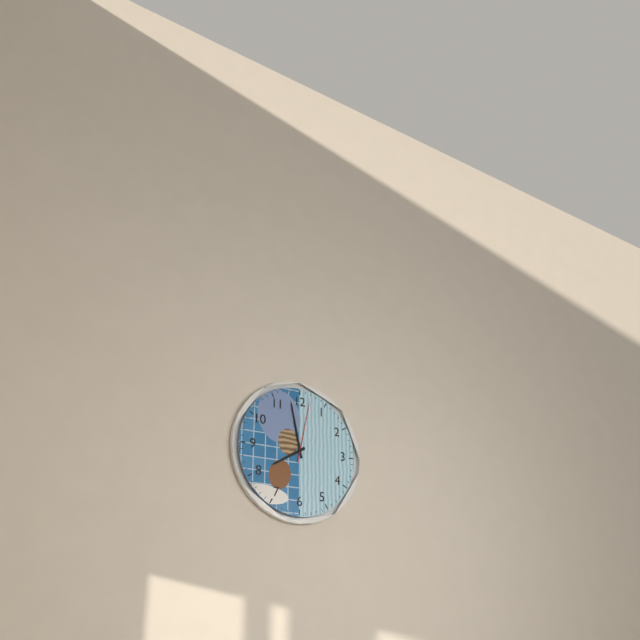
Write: 7,58,02
